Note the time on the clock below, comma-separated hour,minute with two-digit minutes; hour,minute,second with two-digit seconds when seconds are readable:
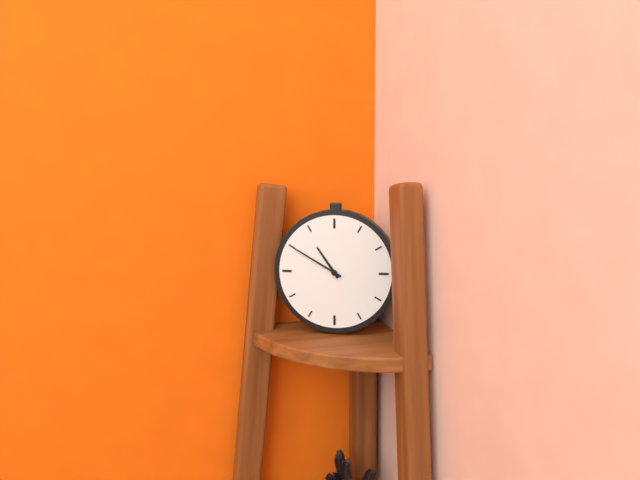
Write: 10,50
